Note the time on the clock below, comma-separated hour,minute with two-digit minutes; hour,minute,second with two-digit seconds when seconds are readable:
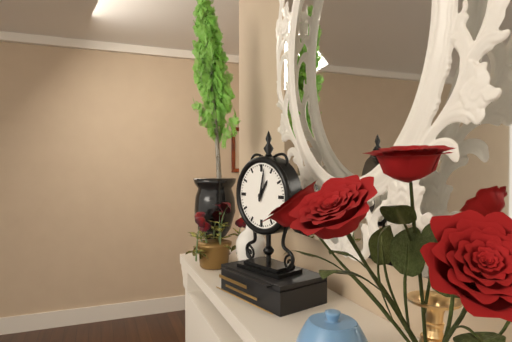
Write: 1,02
